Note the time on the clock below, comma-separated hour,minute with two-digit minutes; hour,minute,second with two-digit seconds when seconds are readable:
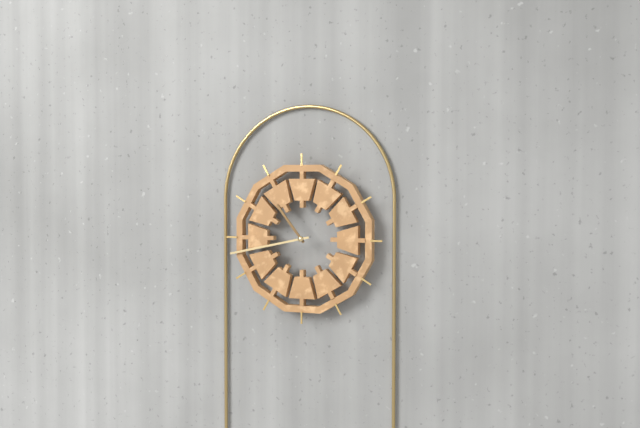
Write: 10,43
